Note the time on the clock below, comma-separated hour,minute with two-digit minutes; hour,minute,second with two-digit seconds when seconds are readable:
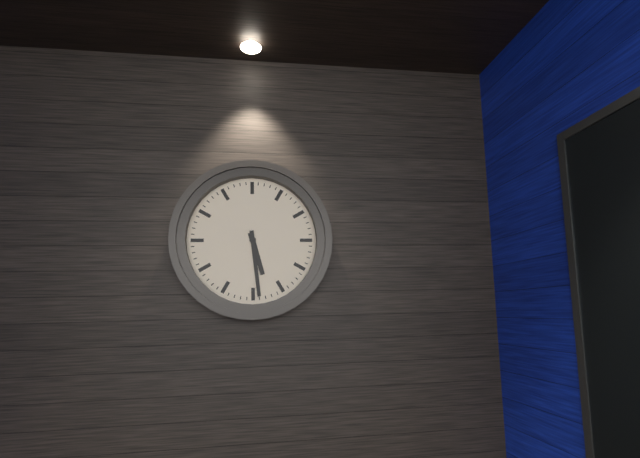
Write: 5,29
